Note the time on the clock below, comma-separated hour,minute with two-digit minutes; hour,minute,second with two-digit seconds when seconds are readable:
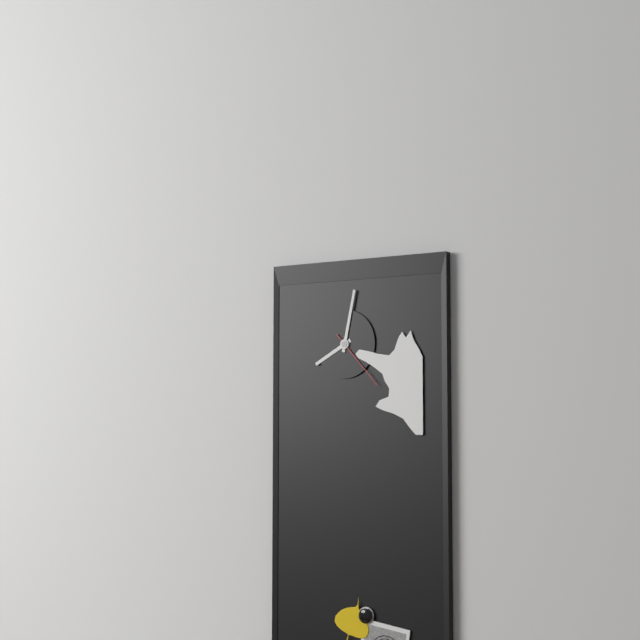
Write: 8,02,23
